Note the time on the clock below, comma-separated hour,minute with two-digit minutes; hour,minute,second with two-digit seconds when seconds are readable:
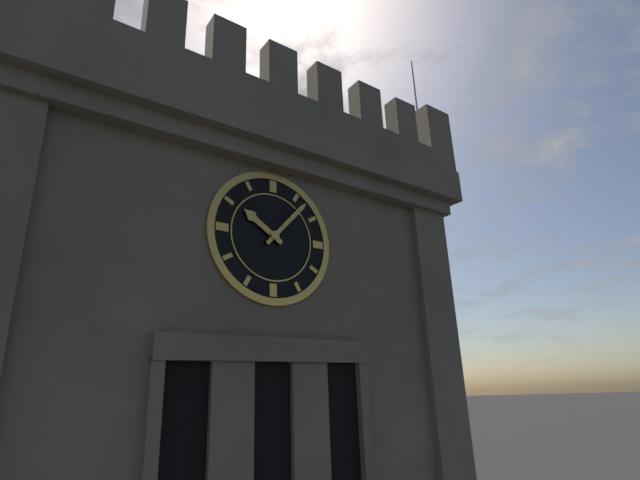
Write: 10,07
